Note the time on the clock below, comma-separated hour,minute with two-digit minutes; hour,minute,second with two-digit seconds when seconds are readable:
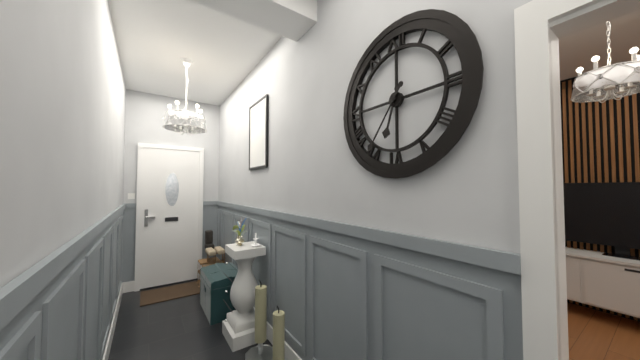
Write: 6,36
